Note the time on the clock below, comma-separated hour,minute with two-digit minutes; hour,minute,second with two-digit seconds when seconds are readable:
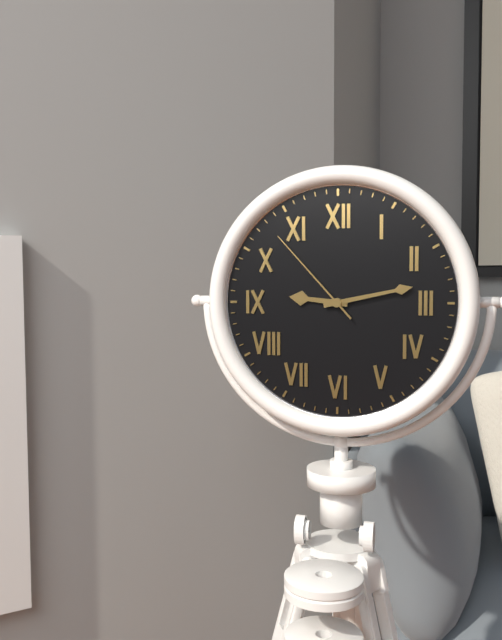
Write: 9,13,53
